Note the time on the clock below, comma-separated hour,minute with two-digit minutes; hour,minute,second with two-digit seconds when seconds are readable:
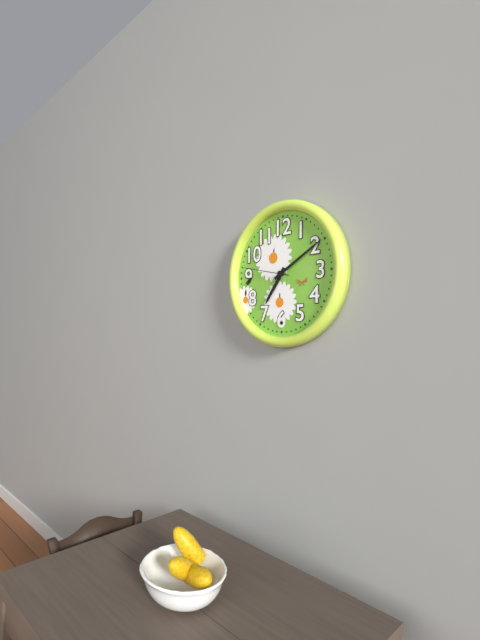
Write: 7,10,47
